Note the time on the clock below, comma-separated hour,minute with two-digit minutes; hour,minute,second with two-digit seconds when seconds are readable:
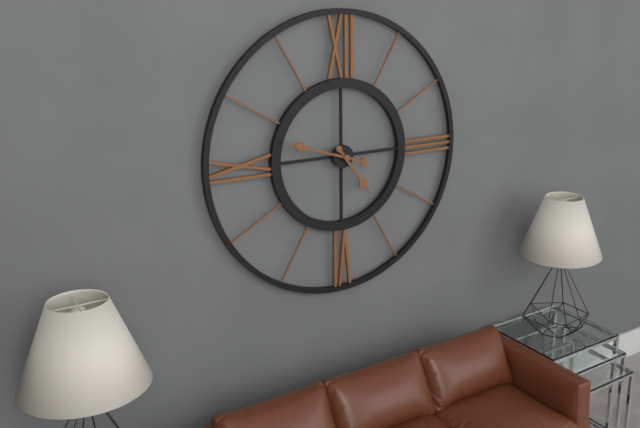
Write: 4,48
